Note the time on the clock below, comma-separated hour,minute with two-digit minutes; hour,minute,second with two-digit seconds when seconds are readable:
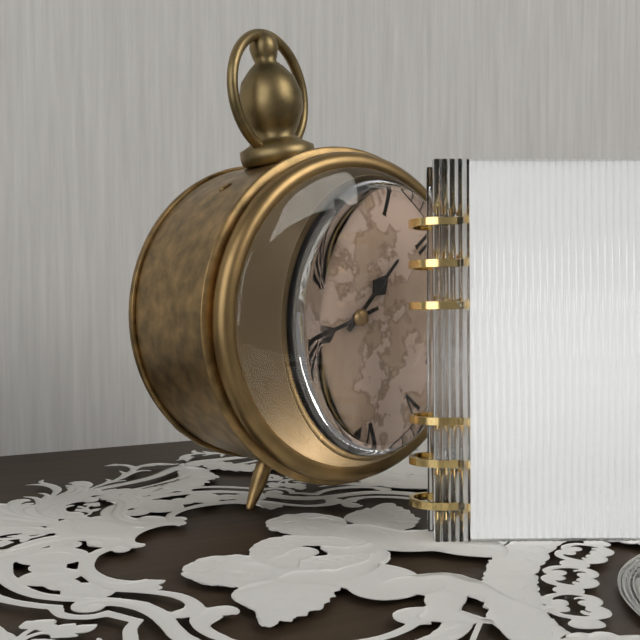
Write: 1,43
